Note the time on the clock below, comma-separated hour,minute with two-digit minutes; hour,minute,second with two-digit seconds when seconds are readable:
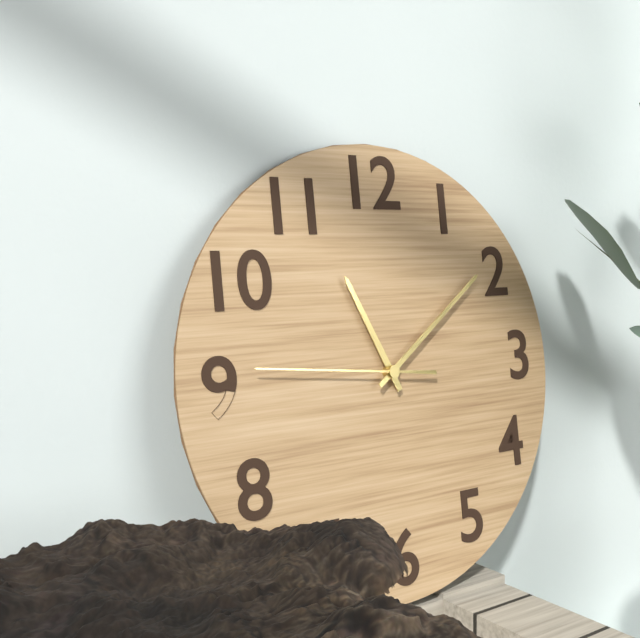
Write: 11,09,46
